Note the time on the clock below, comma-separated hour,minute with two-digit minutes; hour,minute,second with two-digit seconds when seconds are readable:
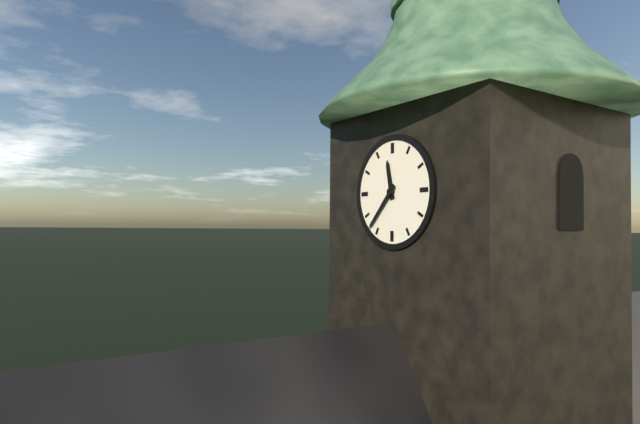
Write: 11,37
